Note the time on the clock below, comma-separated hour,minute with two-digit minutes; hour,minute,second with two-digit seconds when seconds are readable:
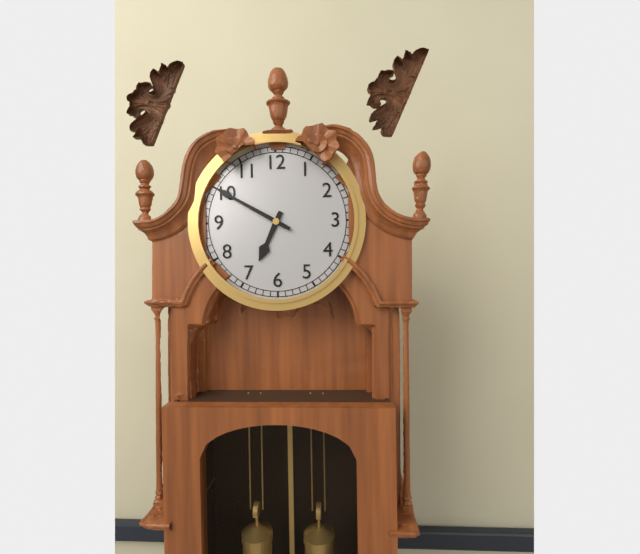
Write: 6,50
